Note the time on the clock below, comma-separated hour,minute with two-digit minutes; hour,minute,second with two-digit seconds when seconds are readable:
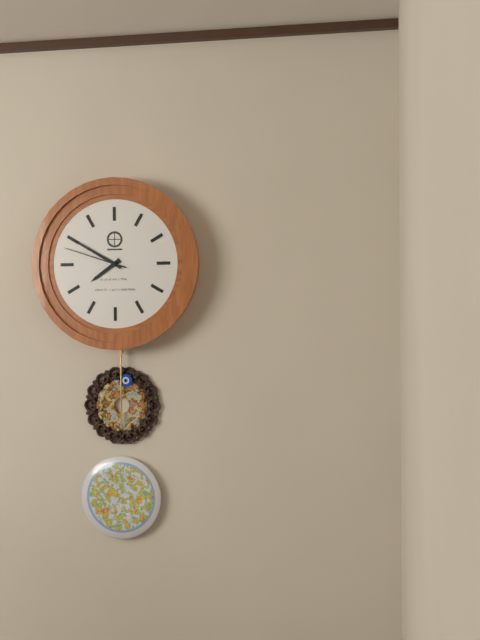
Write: 7,50,48
